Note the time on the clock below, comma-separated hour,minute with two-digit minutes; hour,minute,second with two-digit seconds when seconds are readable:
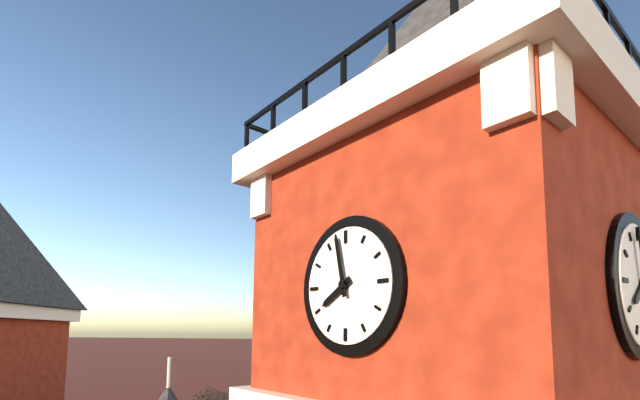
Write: 7,58
